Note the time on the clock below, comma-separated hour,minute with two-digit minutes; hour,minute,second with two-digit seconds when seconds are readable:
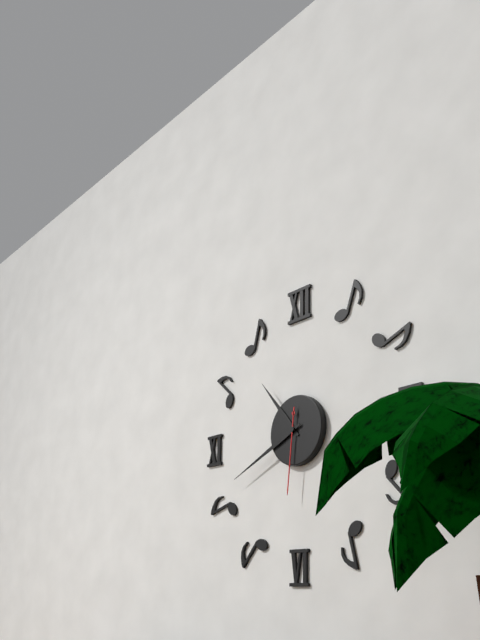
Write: 10,41,31
